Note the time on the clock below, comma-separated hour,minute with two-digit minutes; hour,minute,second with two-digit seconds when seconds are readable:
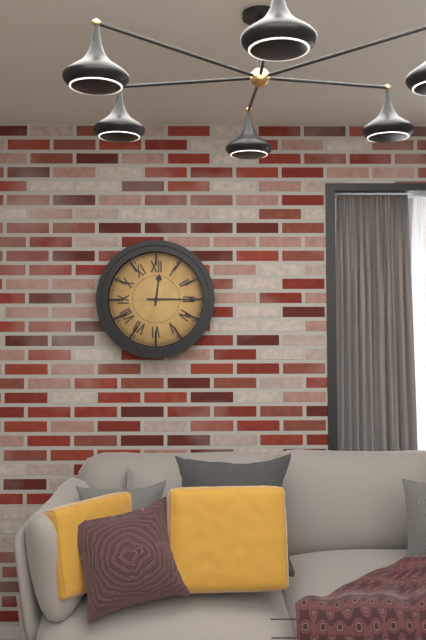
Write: 12,15
